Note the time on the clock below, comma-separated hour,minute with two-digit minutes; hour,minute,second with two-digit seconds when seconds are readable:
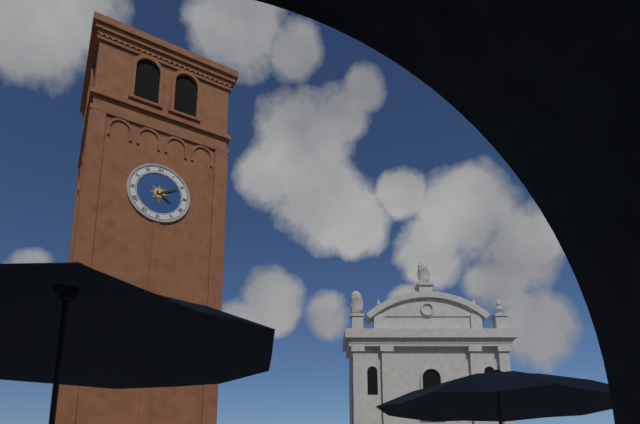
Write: 4,10
